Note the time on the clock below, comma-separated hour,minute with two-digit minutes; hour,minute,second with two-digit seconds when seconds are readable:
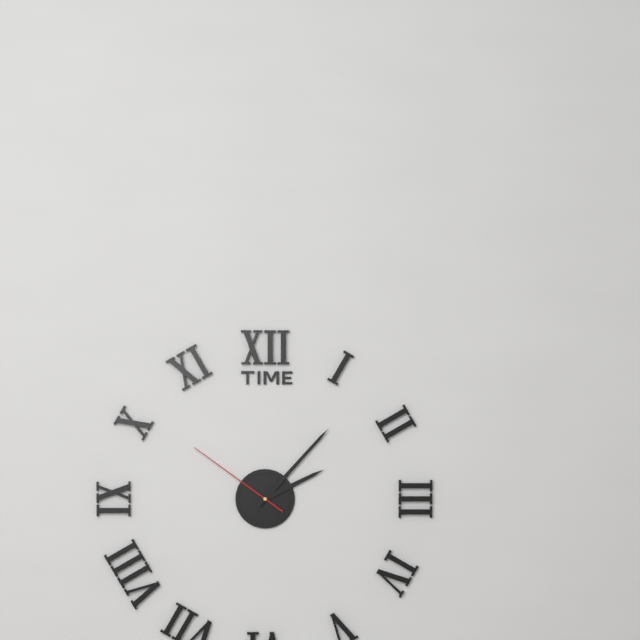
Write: 2,07,51
